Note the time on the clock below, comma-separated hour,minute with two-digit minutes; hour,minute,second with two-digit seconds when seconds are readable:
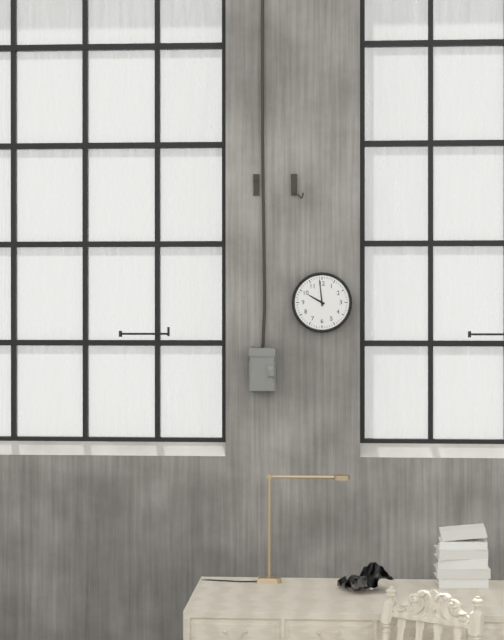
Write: 9,59
